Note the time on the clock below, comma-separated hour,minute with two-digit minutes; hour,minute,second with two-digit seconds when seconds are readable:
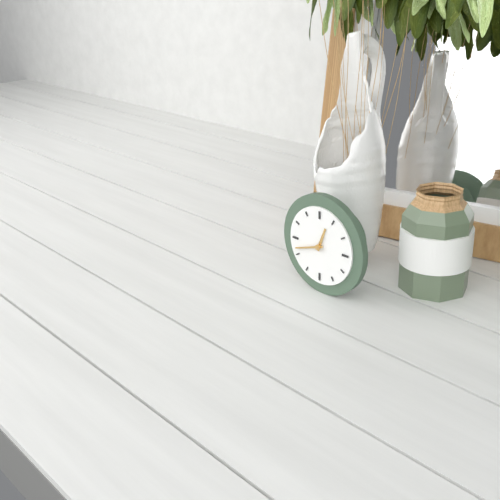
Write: 12,42
